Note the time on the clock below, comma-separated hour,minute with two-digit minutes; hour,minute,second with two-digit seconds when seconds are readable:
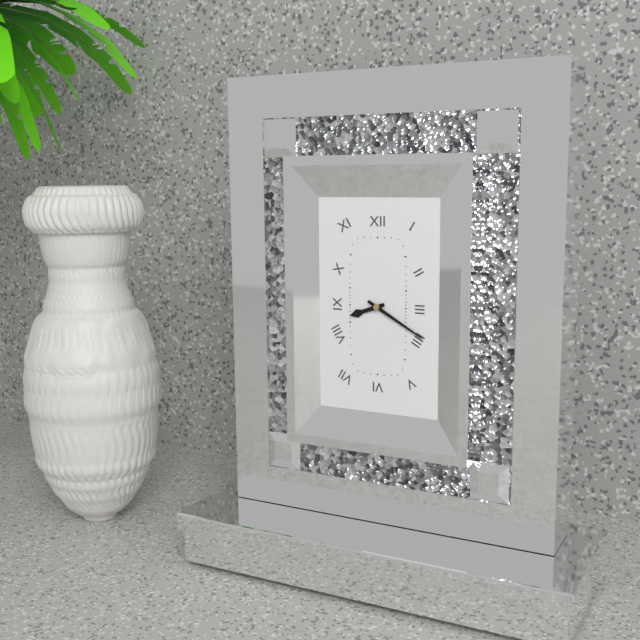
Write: 8,20
